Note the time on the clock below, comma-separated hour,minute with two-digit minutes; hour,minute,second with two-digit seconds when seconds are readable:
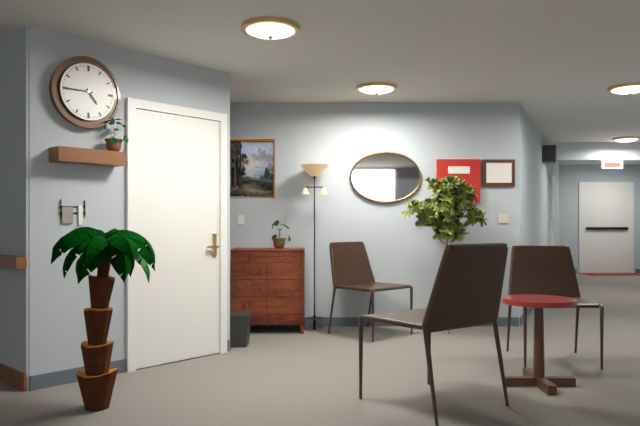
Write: 4,45
